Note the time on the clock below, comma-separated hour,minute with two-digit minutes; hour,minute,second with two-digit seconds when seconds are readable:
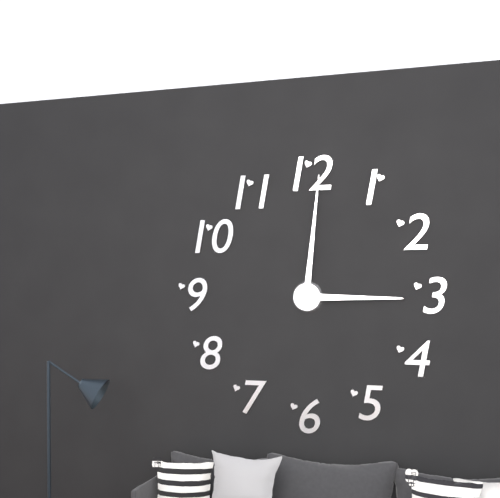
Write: 3,01
